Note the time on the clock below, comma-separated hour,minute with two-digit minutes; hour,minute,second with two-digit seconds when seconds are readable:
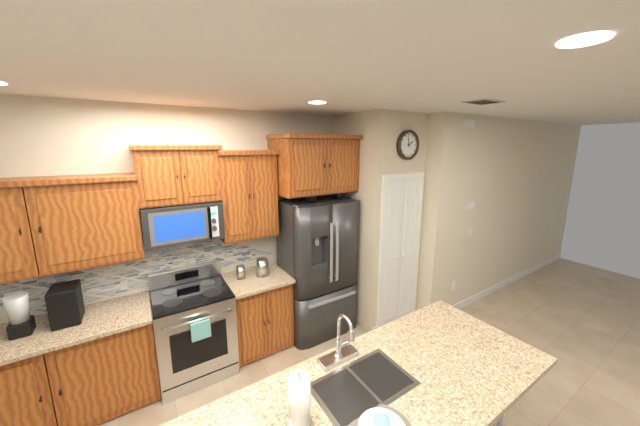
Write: 1,58
